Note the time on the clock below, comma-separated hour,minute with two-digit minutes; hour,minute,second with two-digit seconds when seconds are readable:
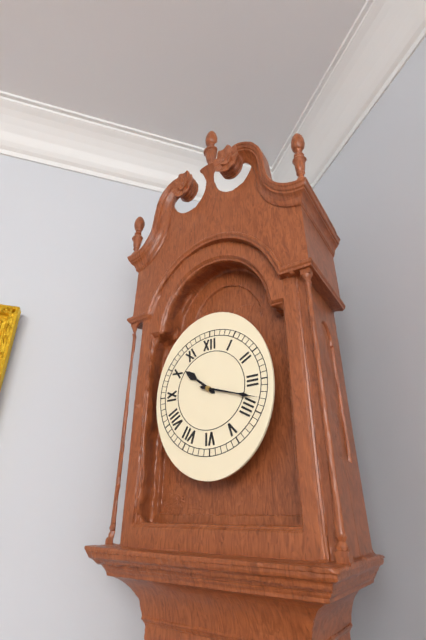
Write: 10,18
